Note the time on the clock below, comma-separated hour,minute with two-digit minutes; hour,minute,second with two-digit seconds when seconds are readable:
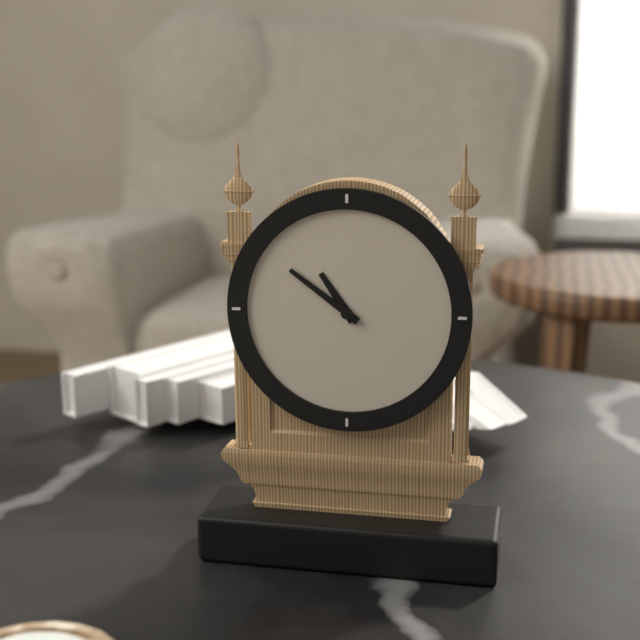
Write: 10,51
